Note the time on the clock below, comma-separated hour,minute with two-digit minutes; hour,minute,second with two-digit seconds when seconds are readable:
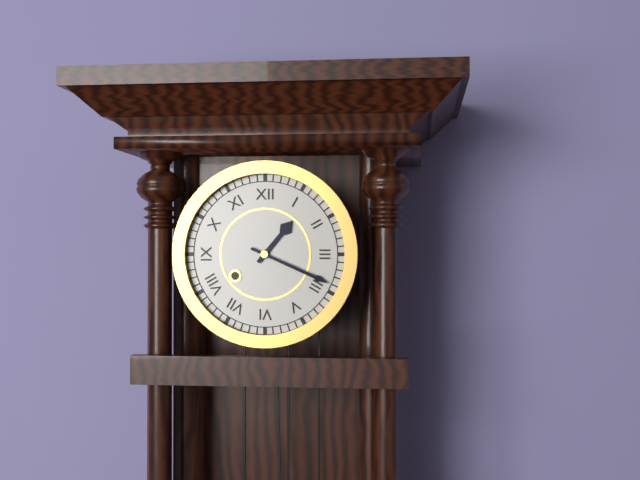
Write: 1,19
